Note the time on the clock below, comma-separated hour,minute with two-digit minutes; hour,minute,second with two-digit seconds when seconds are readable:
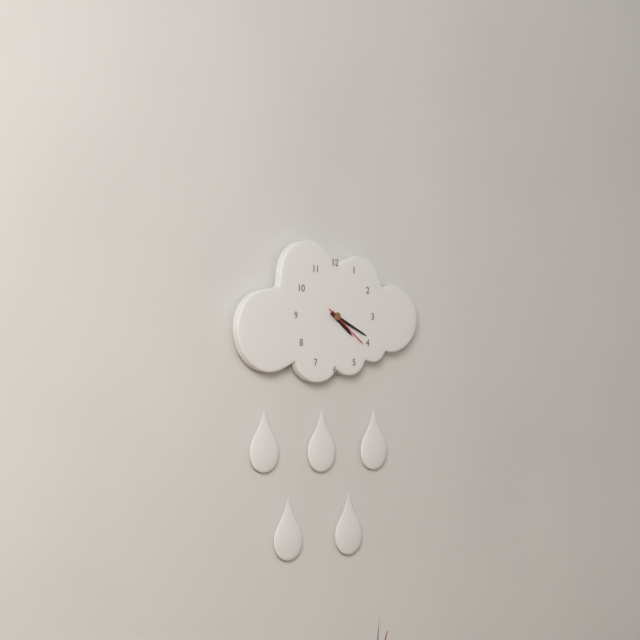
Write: 4,19
